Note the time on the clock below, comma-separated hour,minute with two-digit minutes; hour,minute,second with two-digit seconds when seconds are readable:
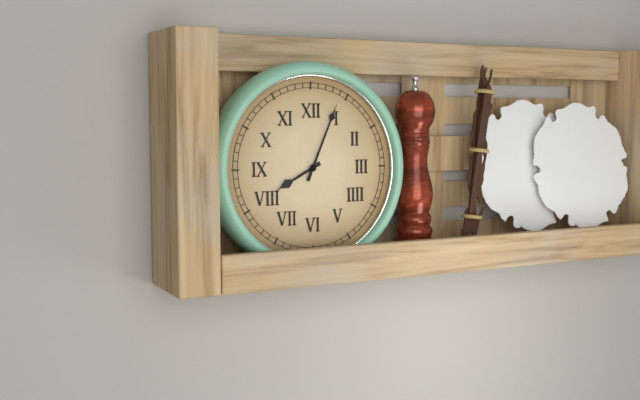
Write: 8,04
